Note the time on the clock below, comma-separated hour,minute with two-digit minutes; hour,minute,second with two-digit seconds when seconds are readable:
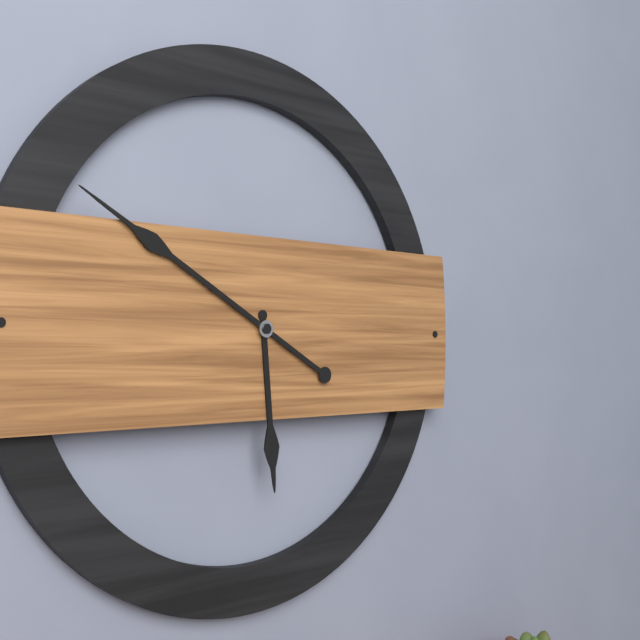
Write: 5,50
